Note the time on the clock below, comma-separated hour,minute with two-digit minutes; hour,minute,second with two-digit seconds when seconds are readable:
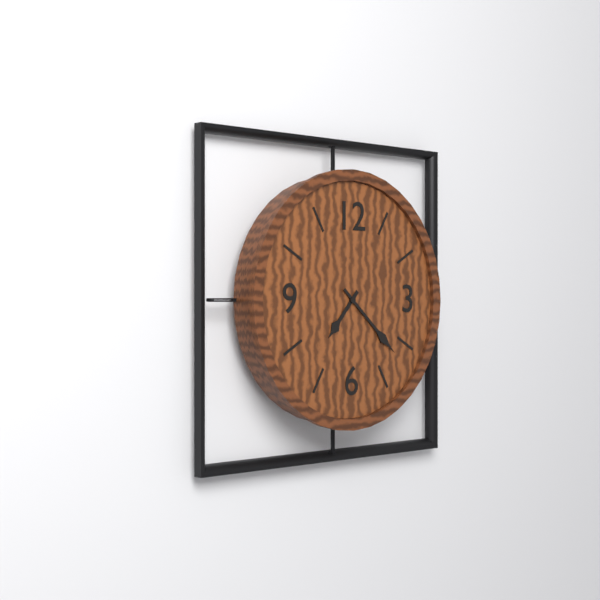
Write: 7,22
